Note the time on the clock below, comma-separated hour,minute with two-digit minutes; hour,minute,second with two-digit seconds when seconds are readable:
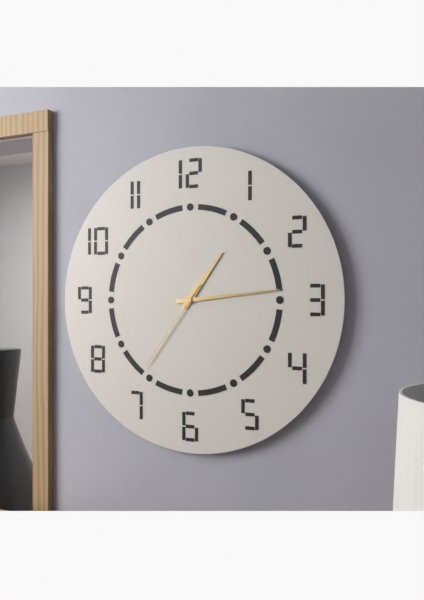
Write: 1,14,36
